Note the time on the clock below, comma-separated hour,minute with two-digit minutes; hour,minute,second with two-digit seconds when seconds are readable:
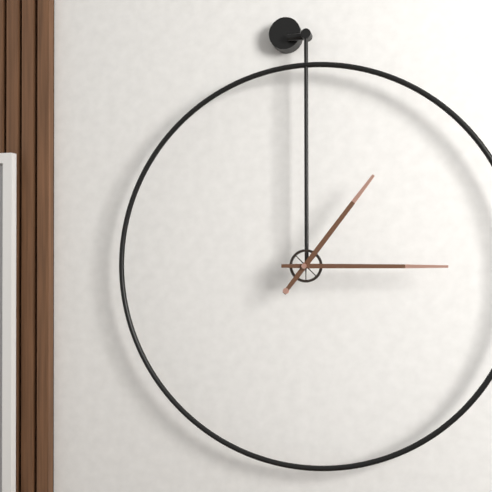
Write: 1,15
